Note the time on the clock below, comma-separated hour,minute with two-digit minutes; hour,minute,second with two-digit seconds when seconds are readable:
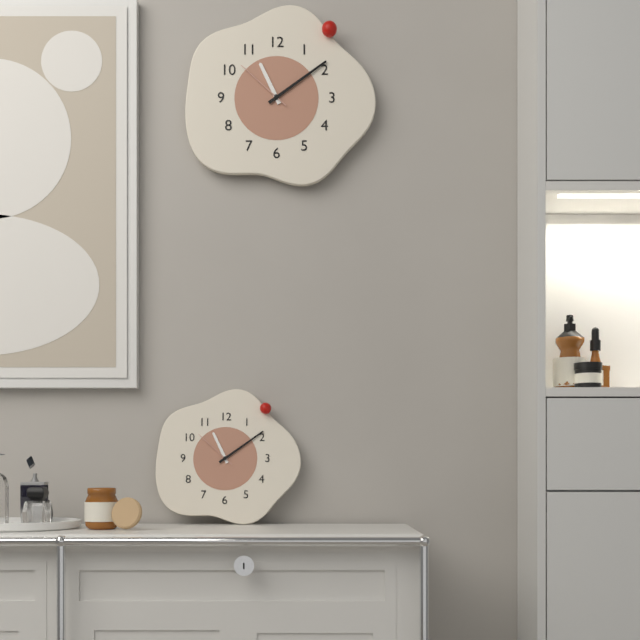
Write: 11,09,52
